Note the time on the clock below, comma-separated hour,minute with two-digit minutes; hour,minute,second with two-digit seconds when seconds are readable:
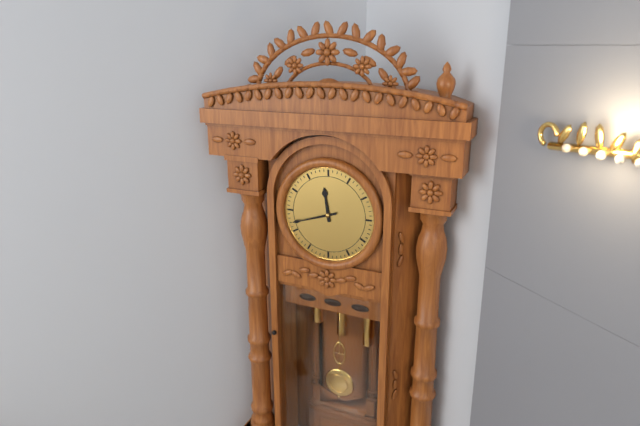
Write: 11,42
